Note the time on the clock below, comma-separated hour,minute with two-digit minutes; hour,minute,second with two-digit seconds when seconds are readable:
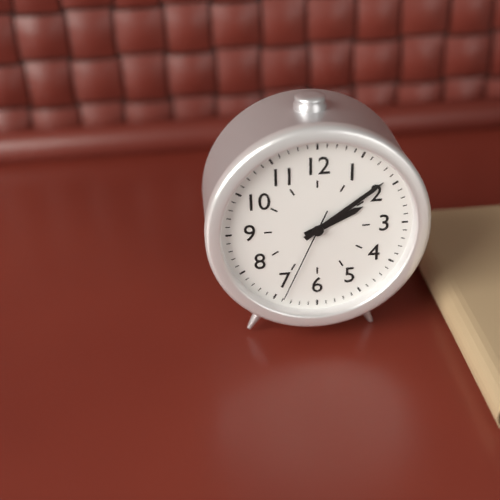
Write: 2,09,34
